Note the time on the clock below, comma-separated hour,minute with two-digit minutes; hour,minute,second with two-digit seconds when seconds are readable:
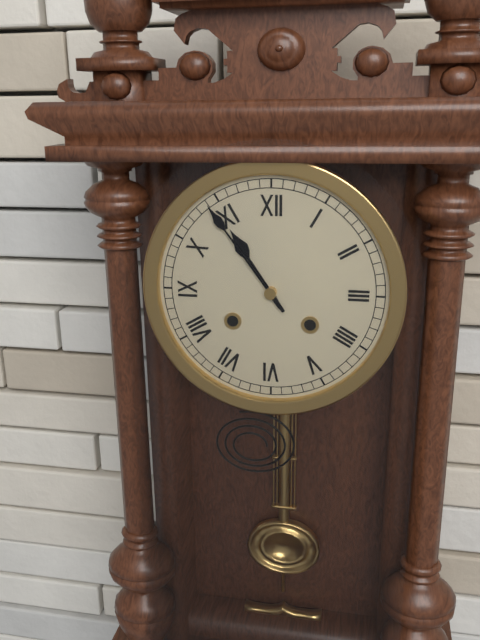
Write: 10,54
